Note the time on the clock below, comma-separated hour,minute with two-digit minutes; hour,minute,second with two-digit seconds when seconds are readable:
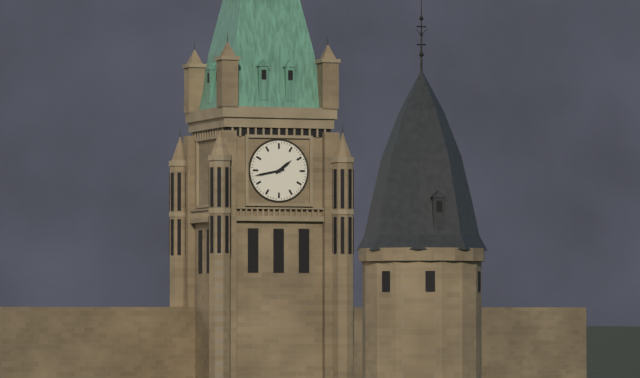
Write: 1,43
